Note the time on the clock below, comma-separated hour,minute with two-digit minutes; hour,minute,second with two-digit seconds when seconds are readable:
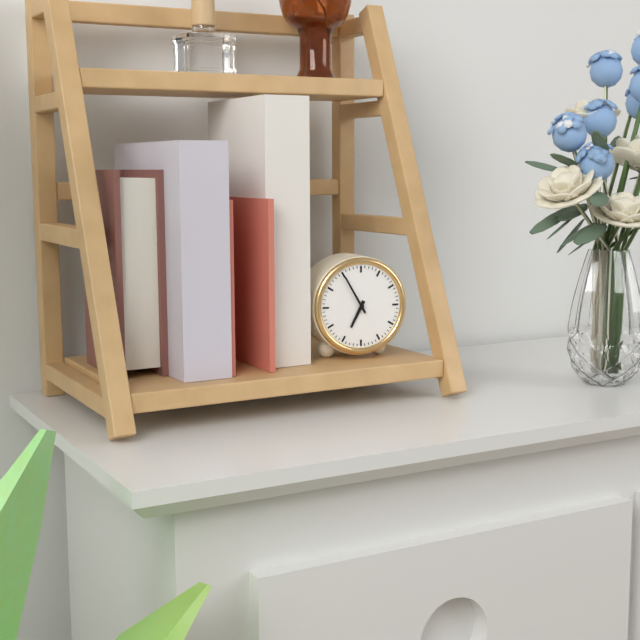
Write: 6,55
